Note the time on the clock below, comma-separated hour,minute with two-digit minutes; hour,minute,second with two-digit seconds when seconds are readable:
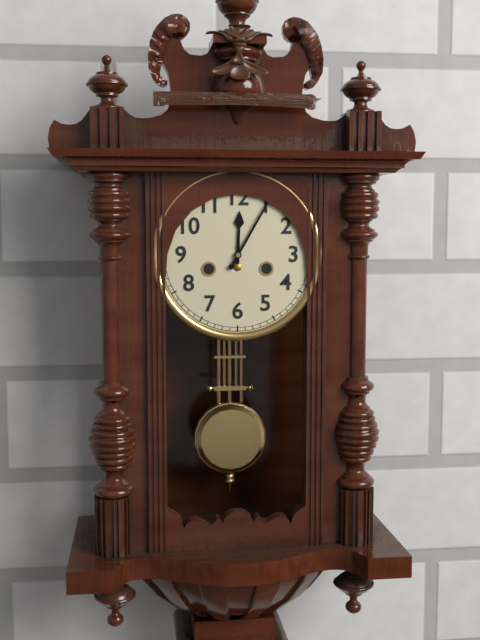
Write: 12,05
